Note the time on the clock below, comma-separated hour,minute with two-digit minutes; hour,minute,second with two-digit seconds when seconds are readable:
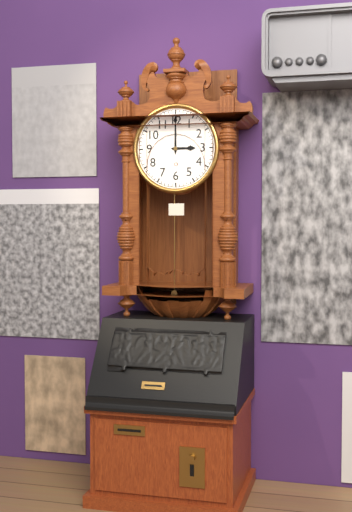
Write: 3,00
